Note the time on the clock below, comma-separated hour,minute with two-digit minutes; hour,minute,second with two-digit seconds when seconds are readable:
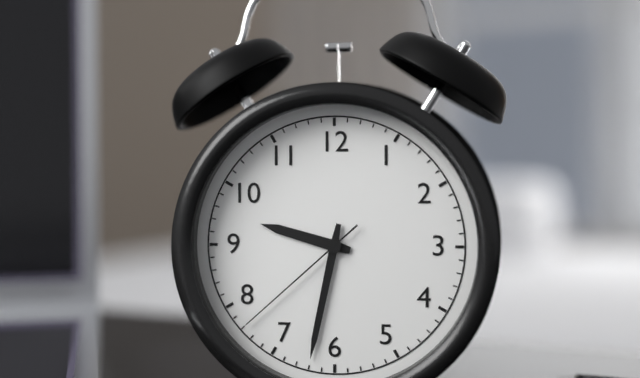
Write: 9,32,38
